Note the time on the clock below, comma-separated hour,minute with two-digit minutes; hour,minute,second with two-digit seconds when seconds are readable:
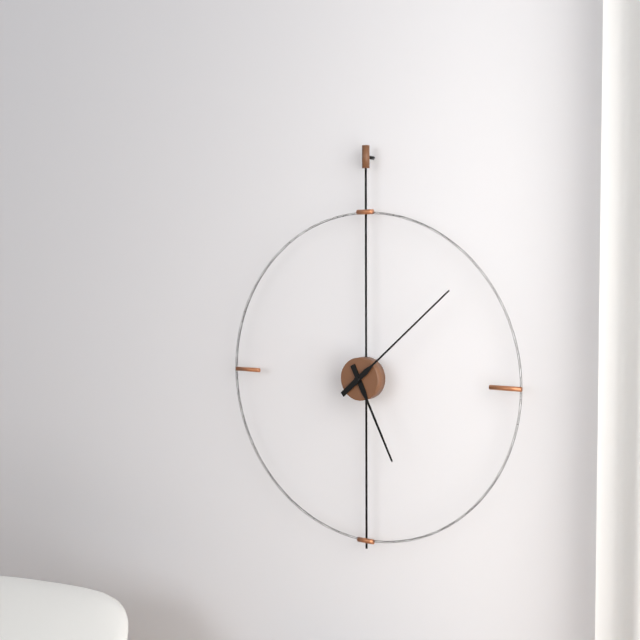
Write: 5,08
